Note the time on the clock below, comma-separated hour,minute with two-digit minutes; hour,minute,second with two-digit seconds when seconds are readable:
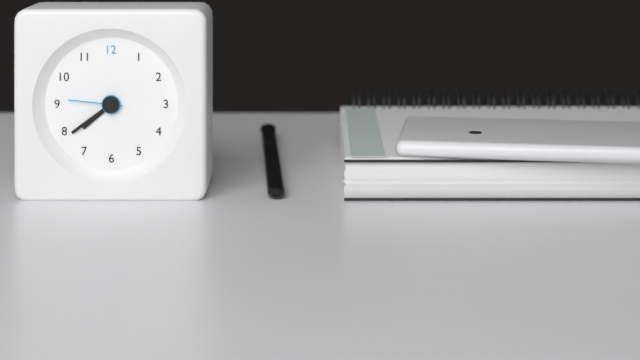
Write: 7,39,46
